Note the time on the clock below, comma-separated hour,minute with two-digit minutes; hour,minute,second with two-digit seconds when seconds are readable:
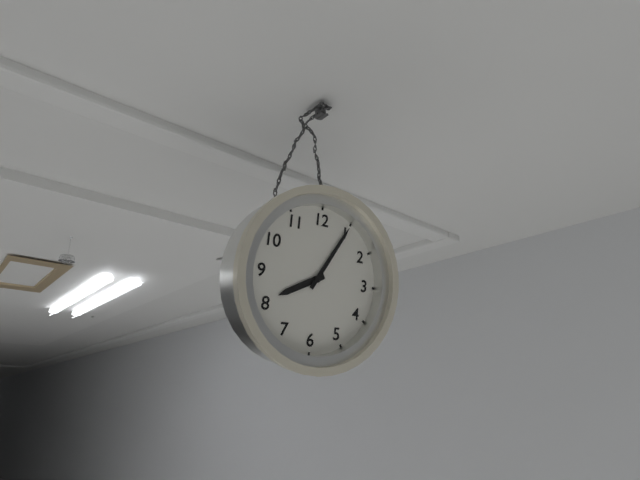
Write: 8,05
